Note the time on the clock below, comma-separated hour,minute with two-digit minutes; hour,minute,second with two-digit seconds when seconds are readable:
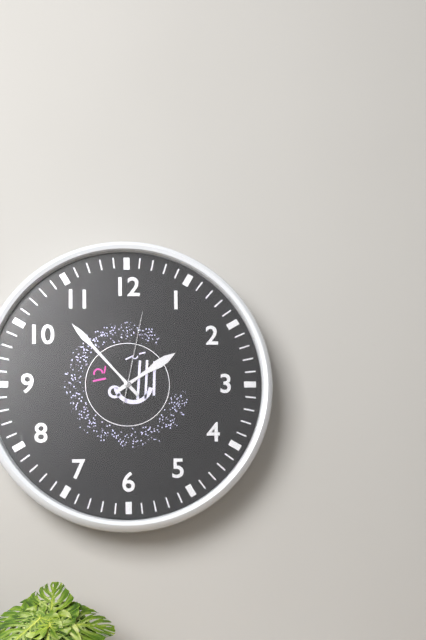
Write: 1,53,02
